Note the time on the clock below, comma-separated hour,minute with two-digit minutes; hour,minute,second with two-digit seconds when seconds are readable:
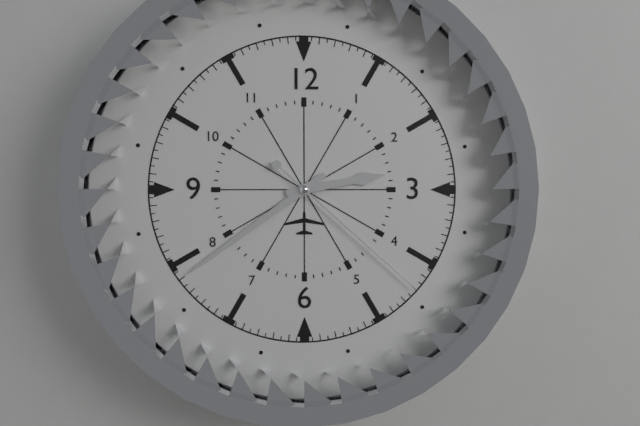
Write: 2,39,22
